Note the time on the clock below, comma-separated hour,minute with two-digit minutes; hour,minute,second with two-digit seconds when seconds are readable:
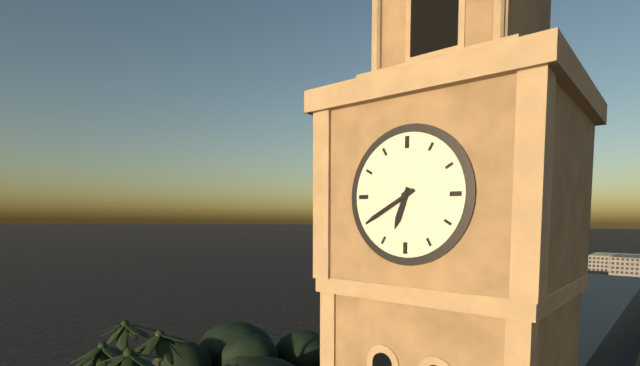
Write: 6,40
